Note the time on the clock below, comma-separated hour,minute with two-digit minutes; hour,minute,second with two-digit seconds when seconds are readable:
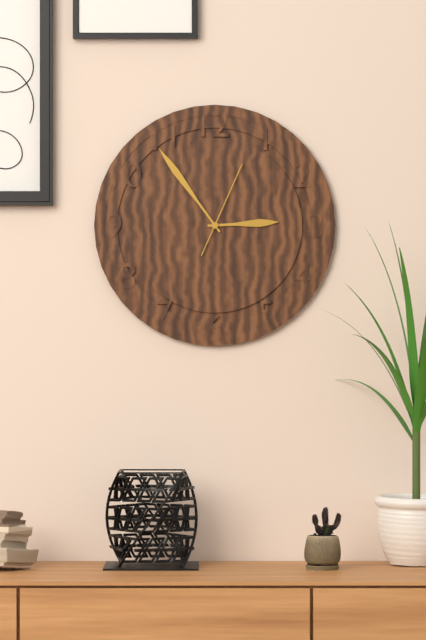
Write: 2,54,04
